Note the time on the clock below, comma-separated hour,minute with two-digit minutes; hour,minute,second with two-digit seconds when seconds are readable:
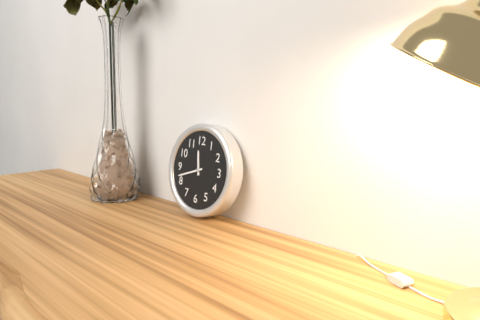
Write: 11,42
